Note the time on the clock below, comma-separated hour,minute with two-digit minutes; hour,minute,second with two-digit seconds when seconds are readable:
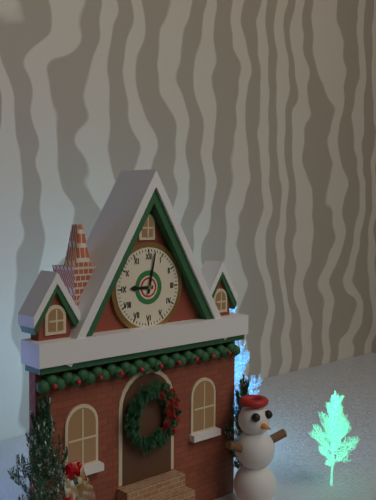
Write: 9,02
